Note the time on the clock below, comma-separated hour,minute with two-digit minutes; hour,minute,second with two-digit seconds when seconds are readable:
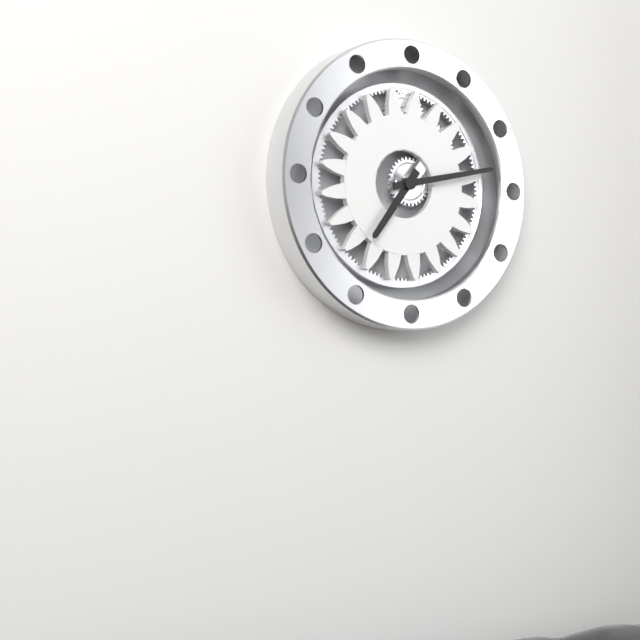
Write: 7,13
